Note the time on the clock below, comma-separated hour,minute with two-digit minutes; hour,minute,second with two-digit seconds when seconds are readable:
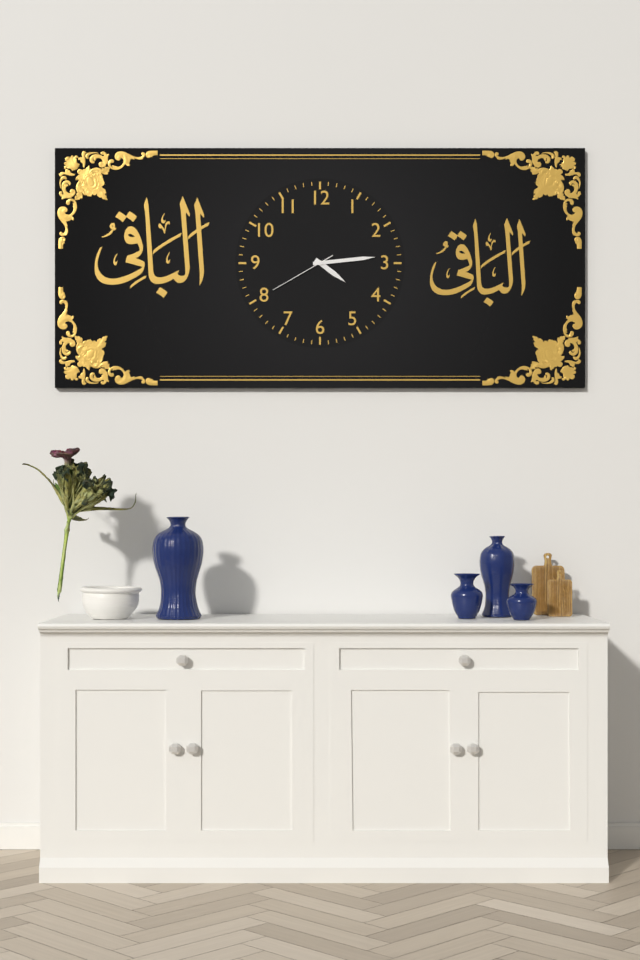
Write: 4,14,40
